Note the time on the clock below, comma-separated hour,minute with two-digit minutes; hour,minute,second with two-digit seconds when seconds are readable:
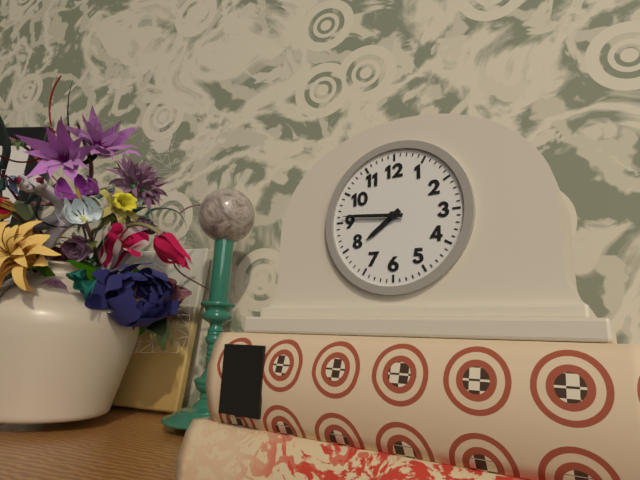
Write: 7,46
